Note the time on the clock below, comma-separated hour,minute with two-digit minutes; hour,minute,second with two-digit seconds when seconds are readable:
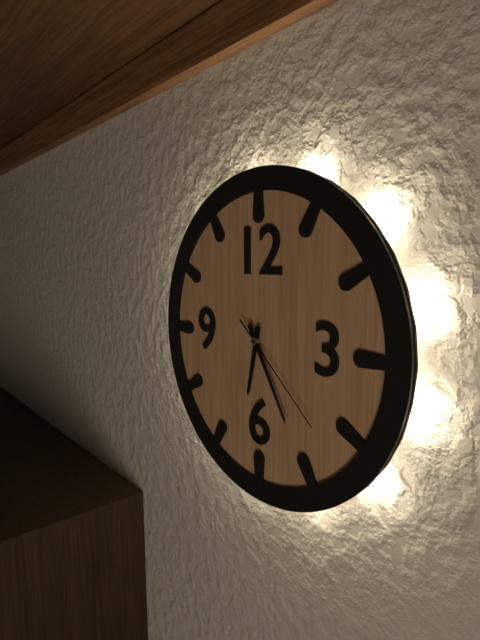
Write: 6,25,22
